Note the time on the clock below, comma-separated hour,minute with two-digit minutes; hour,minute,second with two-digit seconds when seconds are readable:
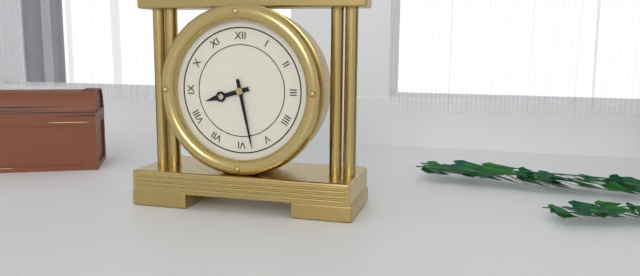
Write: 8,28
